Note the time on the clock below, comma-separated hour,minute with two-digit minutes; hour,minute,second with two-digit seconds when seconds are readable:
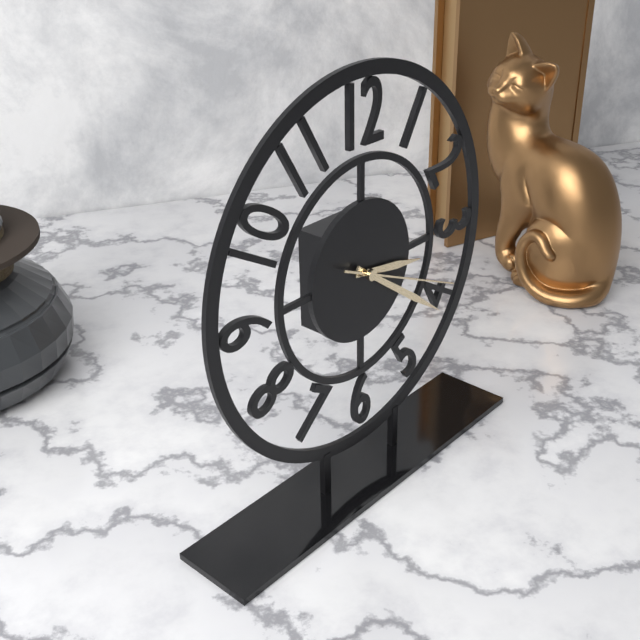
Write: 3,21,19
